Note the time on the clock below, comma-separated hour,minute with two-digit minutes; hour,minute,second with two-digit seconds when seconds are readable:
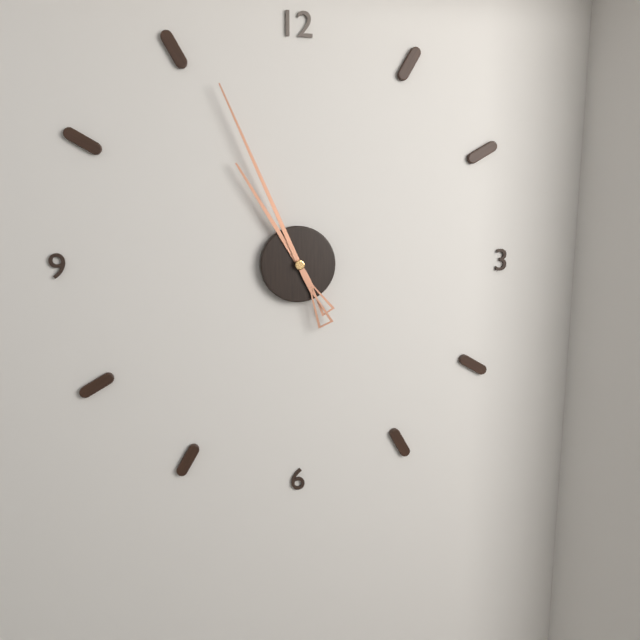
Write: 10,56
